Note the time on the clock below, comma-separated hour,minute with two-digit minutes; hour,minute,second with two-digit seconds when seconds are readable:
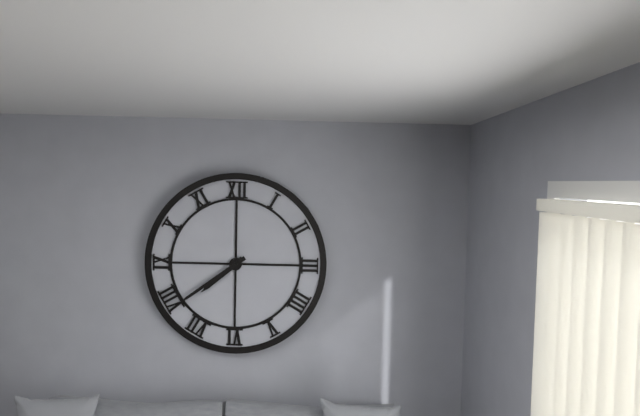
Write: 7,39
